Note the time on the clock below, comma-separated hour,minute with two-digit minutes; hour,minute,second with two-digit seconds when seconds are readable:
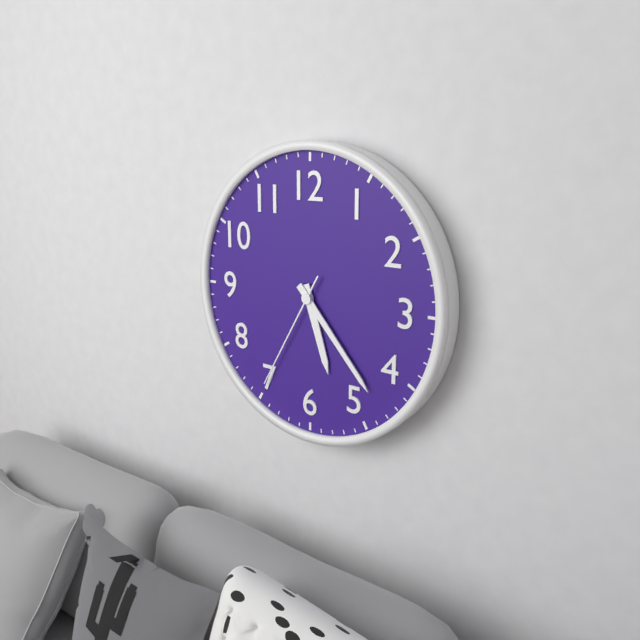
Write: 5,23,35
